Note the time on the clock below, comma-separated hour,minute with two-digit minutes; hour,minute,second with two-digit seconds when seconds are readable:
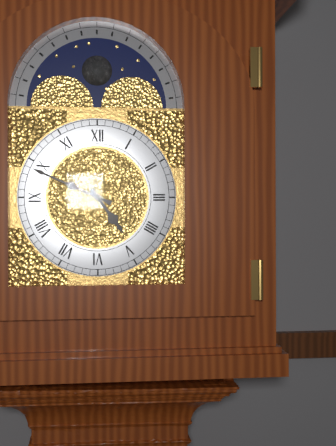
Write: 4,49
